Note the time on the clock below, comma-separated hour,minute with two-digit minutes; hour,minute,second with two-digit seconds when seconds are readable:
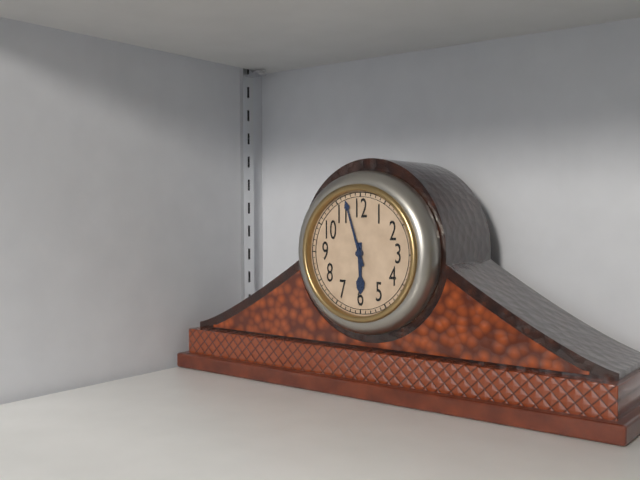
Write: 5,57
